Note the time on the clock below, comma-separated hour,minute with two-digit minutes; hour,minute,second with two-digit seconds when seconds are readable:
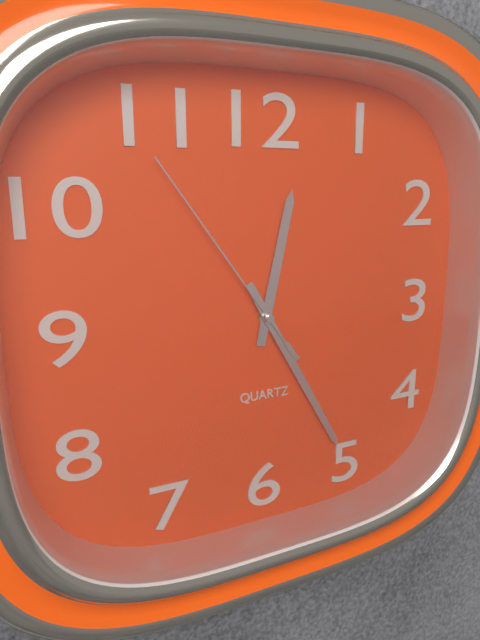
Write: 12,25,54
